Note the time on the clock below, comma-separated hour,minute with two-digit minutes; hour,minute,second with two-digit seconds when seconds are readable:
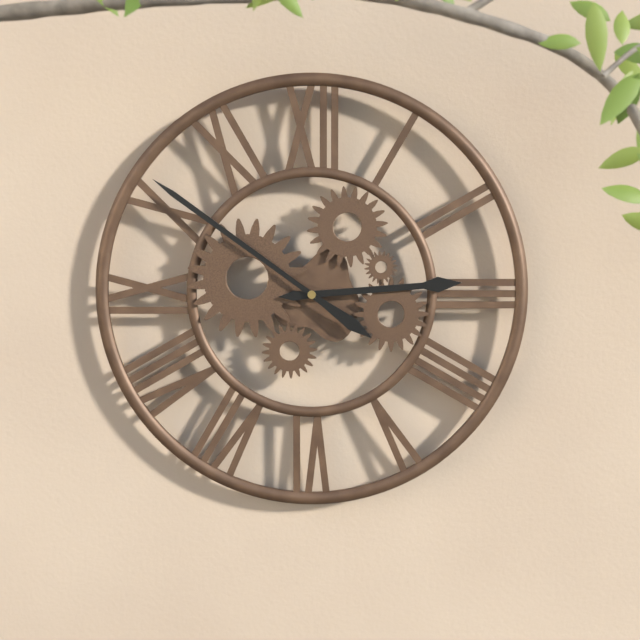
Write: 2,51
